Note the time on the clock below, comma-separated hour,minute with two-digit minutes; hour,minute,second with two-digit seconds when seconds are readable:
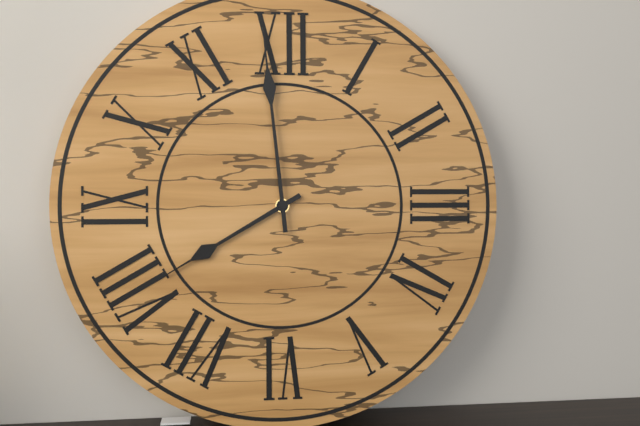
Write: 7,59
